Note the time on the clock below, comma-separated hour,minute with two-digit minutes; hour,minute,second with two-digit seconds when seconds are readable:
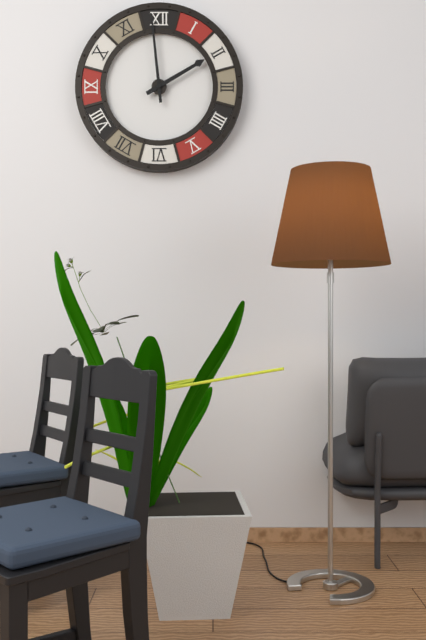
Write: 1,59
